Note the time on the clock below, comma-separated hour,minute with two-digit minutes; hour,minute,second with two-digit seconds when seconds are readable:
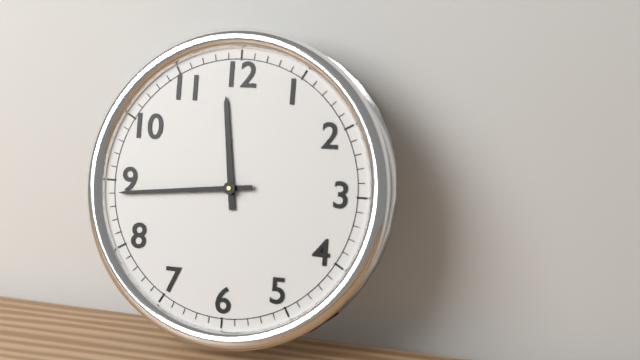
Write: 11,44
